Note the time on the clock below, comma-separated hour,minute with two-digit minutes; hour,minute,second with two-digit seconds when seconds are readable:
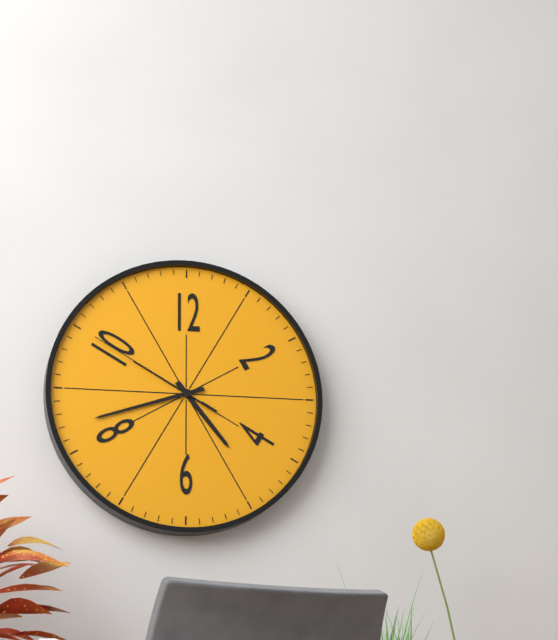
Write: 4,42,50
